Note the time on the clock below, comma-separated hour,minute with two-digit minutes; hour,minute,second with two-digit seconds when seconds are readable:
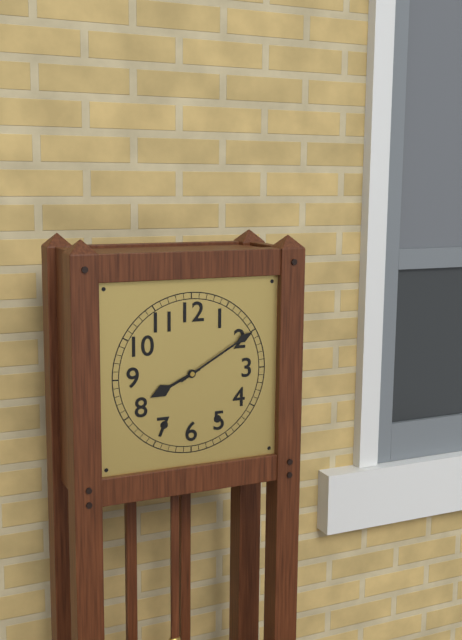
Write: 8,10
